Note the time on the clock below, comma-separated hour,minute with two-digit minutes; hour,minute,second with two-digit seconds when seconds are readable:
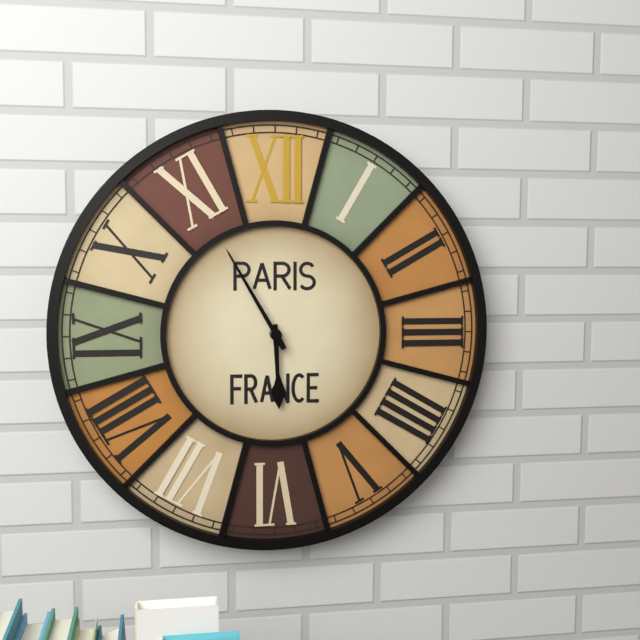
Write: 5,55
